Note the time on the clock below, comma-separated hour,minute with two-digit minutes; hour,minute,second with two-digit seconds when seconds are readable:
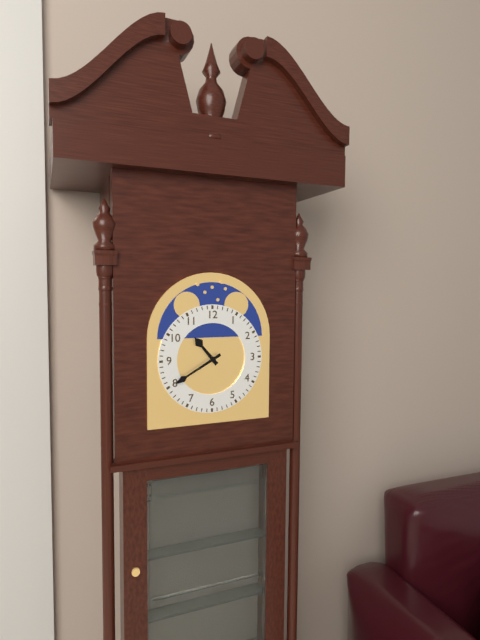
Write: 10,40
